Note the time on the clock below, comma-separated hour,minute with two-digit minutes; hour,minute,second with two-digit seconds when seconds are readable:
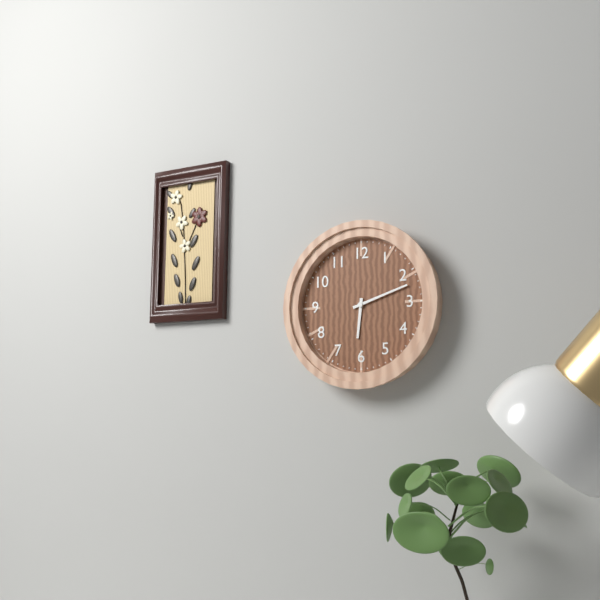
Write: 6,12
